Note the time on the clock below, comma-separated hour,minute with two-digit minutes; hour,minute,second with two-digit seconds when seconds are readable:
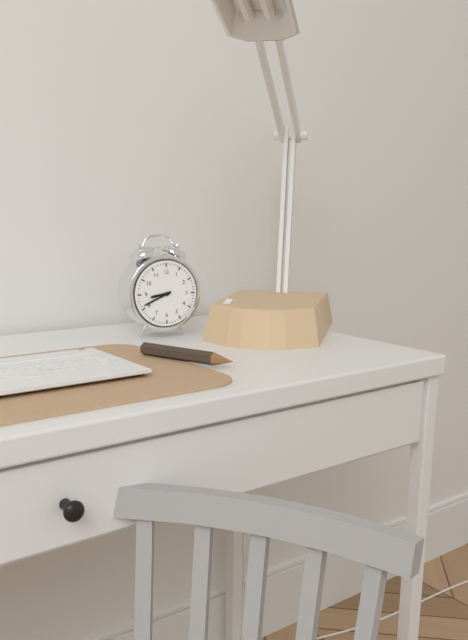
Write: 8,41
